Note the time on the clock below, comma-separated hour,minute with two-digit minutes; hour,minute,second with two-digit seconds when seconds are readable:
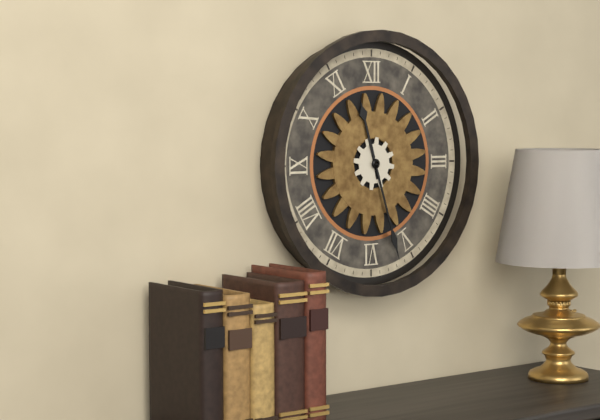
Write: 11,27
